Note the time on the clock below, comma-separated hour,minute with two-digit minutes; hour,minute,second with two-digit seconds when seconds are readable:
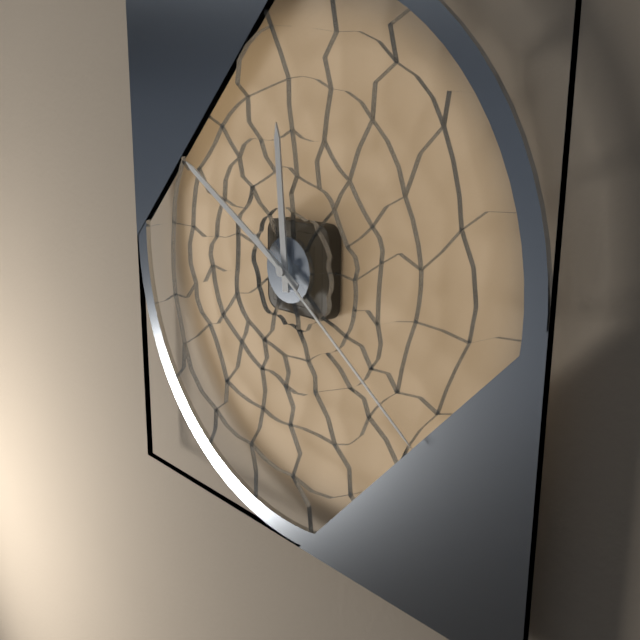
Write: 11,50,21
